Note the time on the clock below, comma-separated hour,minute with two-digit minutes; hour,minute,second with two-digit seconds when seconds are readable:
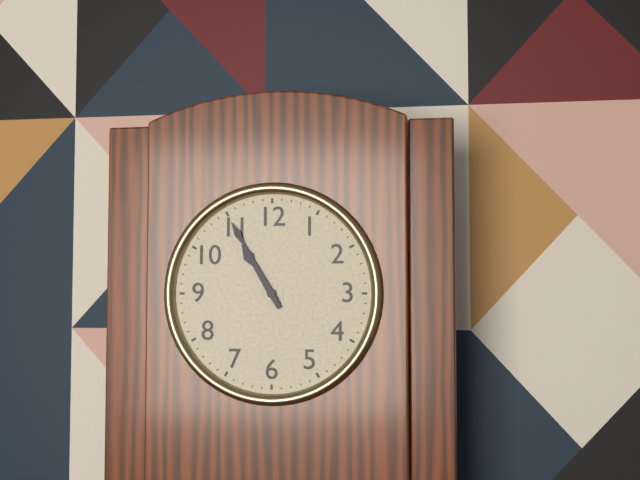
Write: 10,55
